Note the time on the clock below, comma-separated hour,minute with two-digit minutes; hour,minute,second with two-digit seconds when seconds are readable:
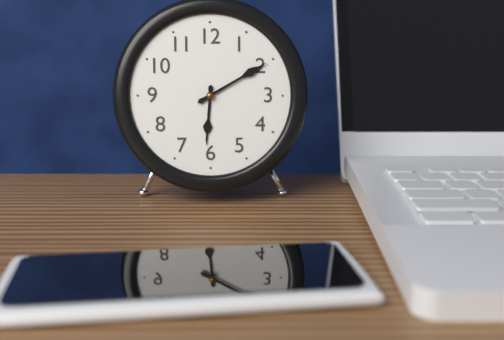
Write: 6,10
